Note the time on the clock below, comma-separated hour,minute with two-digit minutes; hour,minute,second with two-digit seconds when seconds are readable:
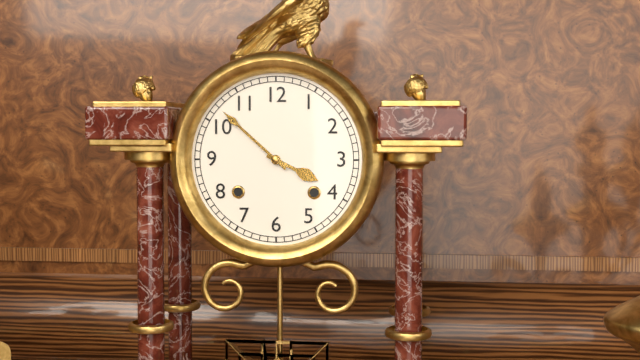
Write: 3,52
